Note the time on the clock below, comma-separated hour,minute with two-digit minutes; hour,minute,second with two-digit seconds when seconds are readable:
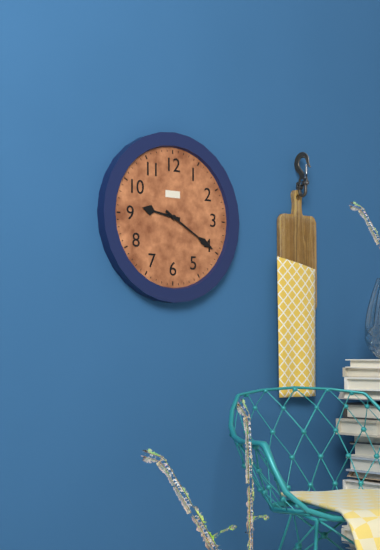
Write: 9,20
